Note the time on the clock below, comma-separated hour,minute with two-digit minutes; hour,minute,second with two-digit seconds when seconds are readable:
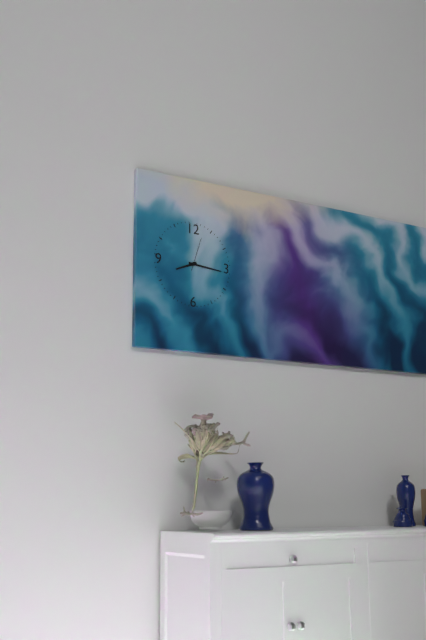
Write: 8,16
